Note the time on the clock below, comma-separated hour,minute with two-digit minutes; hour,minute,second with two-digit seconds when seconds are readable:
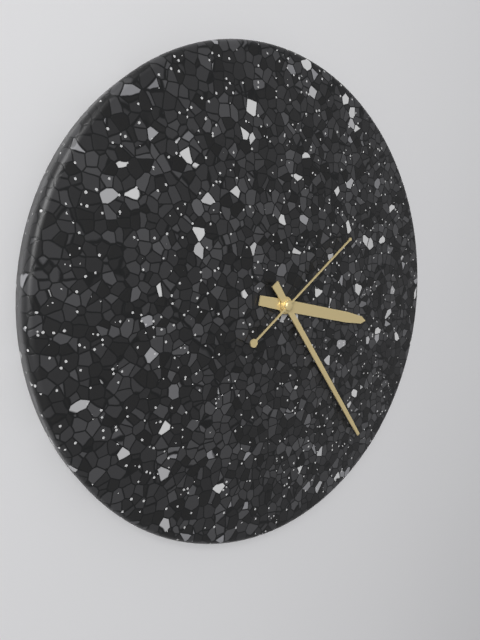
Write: 3,24,09
